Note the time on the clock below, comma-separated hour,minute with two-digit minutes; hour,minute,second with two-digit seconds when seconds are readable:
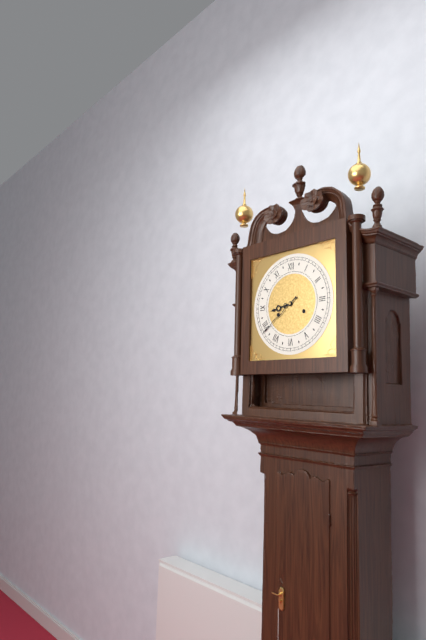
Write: 8,39
